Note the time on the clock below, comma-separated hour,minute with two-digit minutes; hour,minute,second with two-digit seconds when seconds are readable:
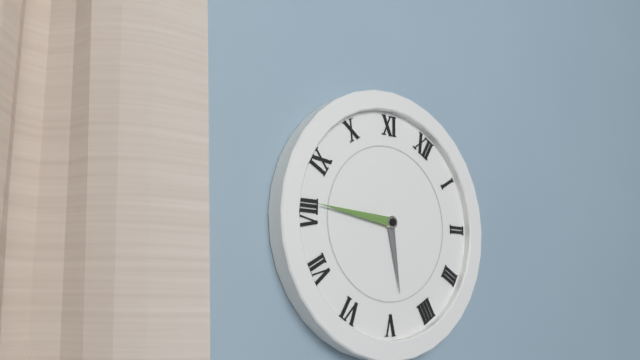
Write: 4,41
